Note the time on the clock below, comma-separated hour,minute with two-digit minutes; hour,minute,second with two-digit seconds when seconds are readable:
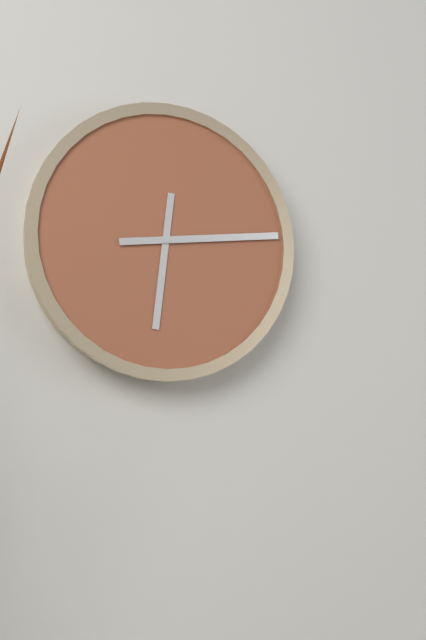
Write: 6,14
